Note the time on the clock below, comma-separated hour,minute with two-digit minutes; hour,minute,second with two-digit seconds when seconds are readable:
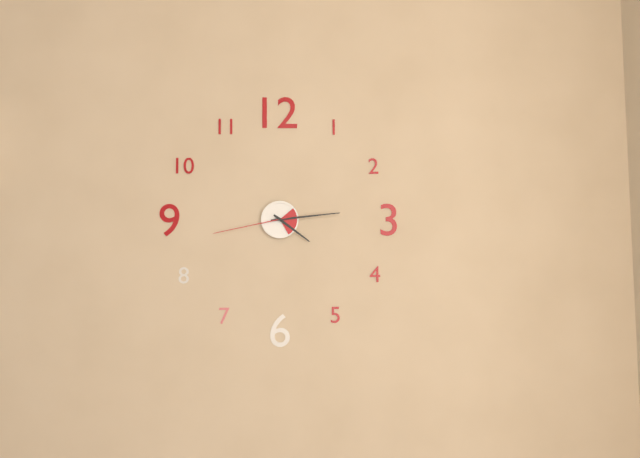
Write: 4,14,43
